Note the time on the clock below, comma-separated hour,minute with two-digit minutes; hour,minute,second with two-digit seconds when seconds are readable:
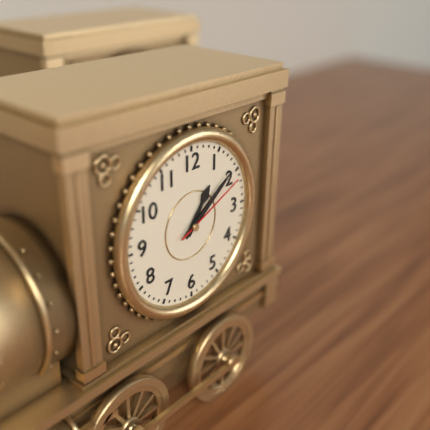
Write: 1,09,11
